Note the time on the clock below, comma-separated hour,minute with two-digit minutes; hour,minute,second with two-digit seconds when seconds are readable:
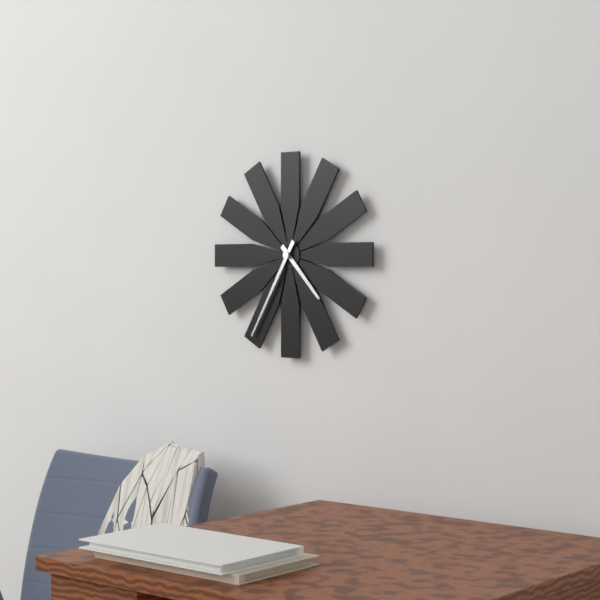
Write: 4,35
